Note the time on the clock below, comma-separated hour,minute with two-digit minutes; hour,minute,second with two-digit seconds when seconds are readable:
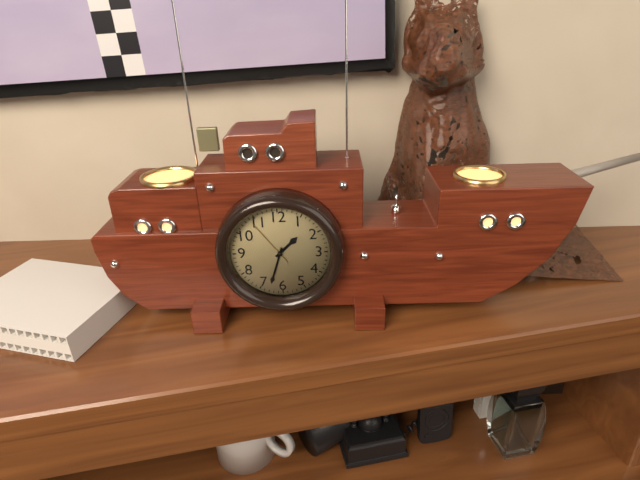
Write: 1,33
